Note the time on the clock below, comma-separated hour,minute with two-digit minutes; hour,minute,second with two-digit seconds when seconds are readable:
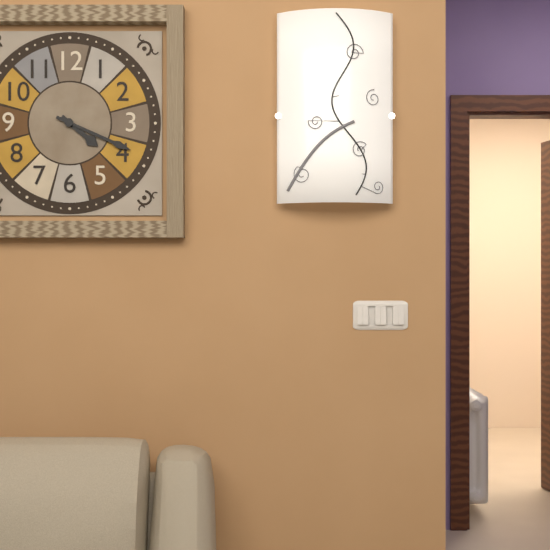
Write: 4,19
